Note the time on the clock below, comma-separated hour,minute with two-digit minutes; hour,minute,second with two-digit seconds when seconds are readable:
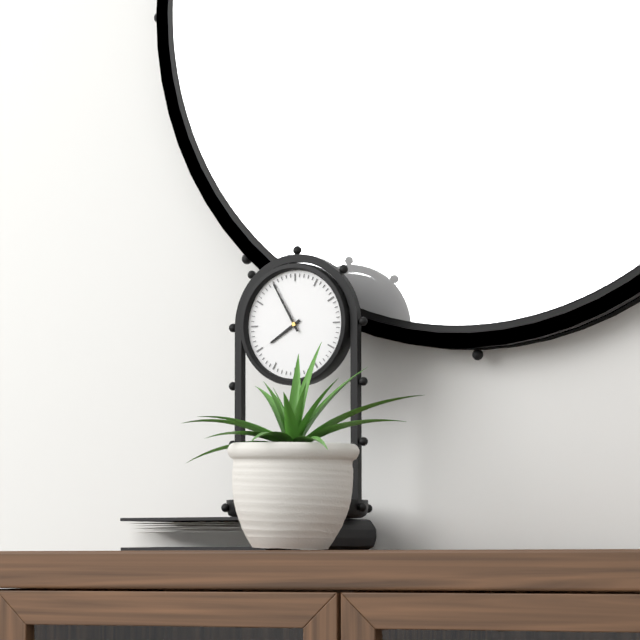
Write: 7,55
